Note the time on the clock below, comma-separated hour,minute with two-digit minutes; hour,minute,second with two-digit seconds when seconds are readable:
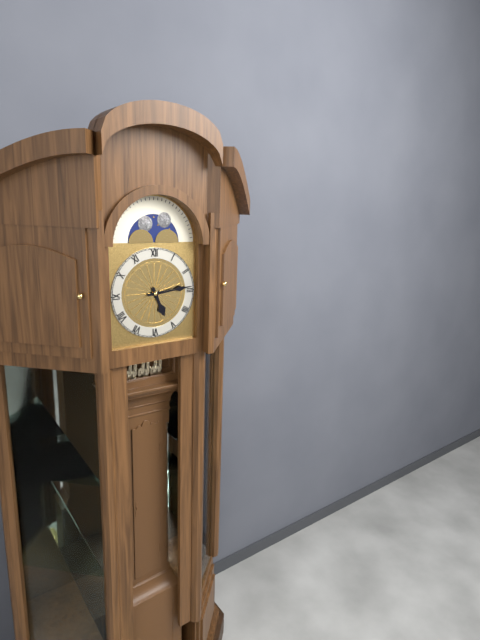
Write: 5,14
